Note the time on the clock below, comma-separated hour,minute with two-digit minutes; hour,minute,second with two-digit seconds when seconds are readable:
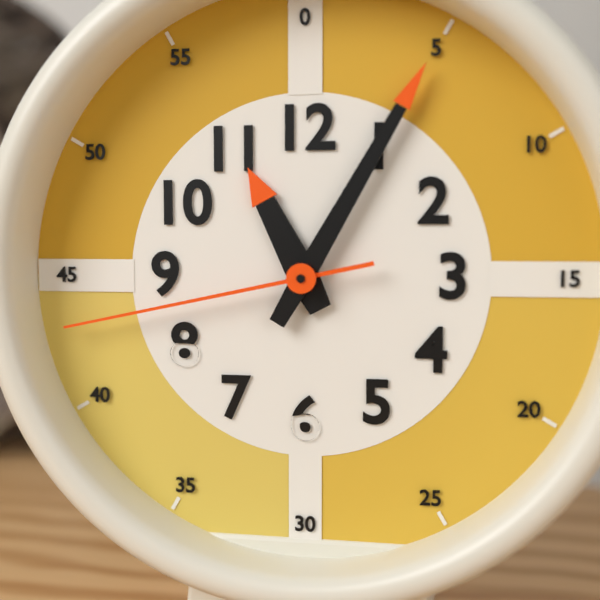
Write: 11,05,43
